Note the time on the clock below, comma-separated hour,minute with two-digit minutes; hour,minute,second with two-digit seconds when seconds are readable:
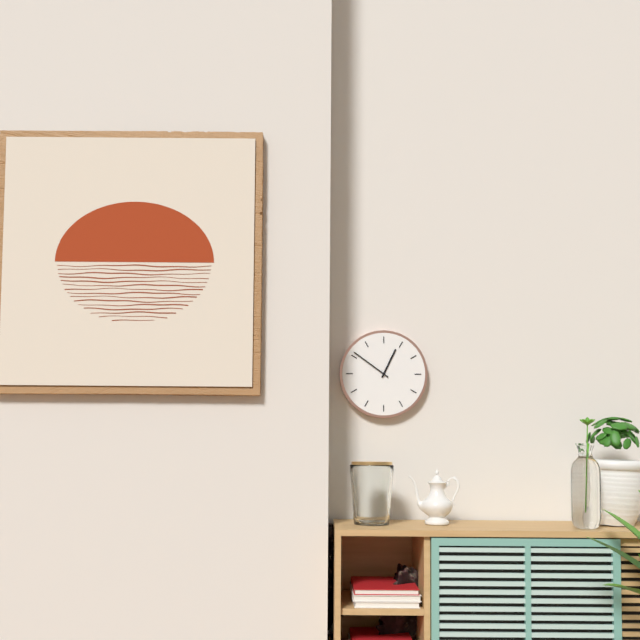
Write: 12,51
